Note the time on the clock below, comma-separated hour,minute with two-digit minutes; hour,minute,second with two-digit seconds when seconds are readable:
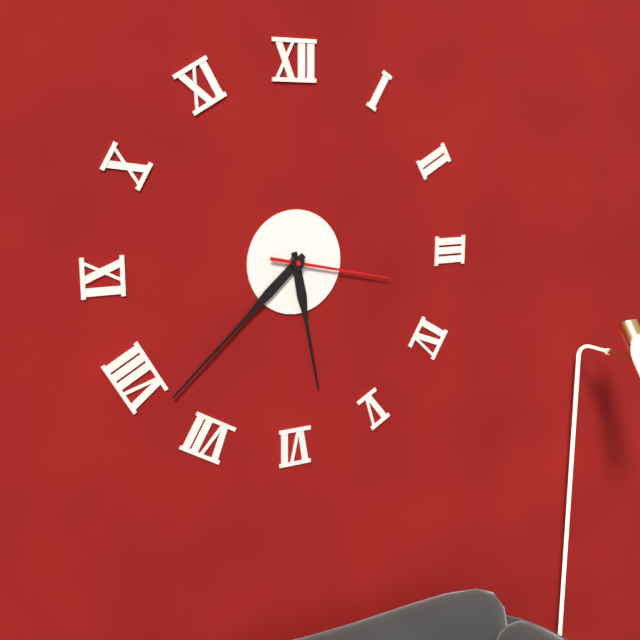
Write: 5,38,17
